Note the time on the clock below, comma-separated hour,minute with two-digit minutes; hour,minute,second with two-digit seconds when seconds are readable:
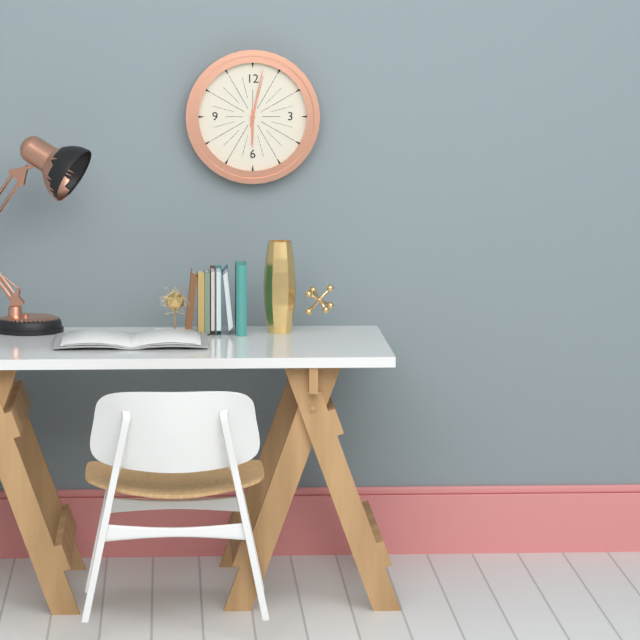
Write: 6,02
